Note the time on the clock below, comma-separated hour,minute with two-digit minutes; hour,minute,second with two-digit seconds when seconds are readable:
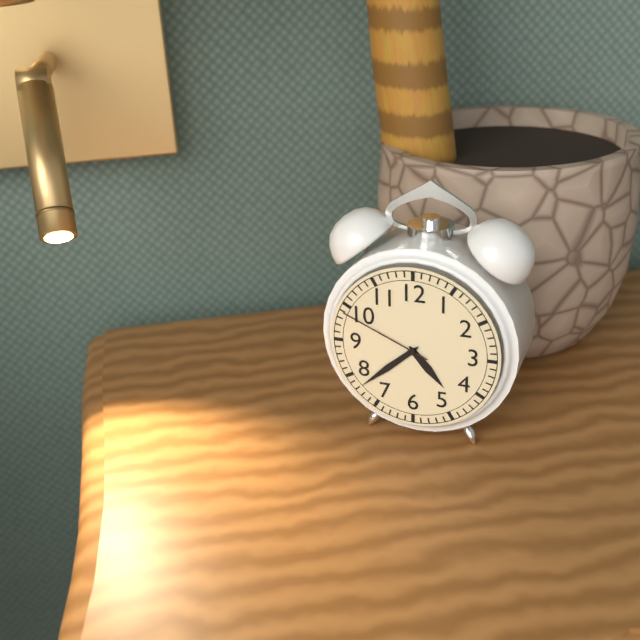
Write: 4,38,49
